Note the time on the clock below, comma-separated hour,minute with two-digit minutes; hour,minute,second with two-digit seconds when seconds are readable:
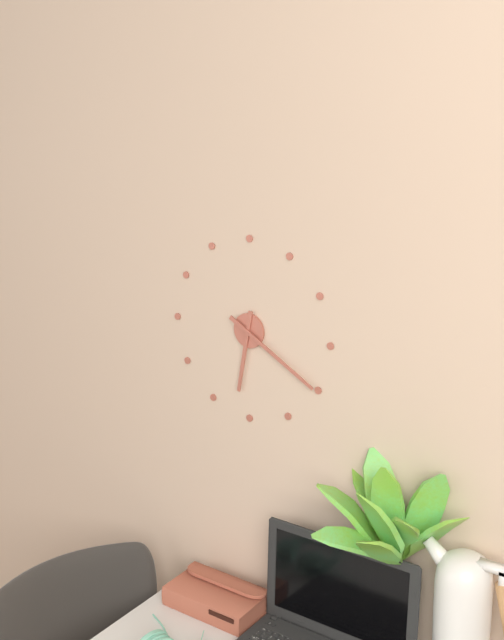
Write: 6,20
